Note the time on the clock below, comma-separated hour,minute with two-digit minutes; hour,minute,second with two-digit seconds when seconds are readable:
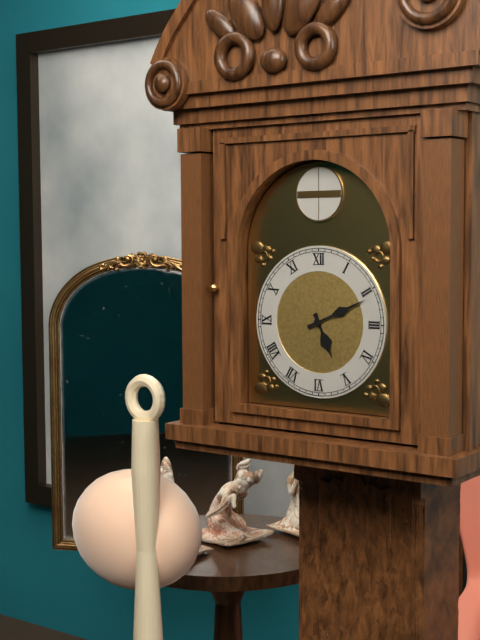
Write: 5,11
